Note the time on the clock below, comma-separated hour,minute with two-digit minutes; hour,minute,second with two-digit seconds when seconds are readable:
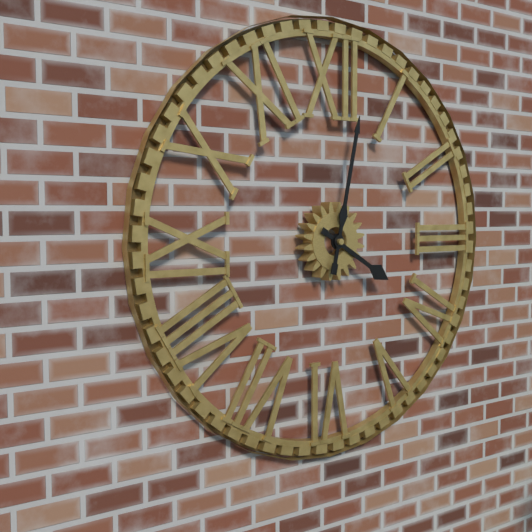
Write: 4,02
